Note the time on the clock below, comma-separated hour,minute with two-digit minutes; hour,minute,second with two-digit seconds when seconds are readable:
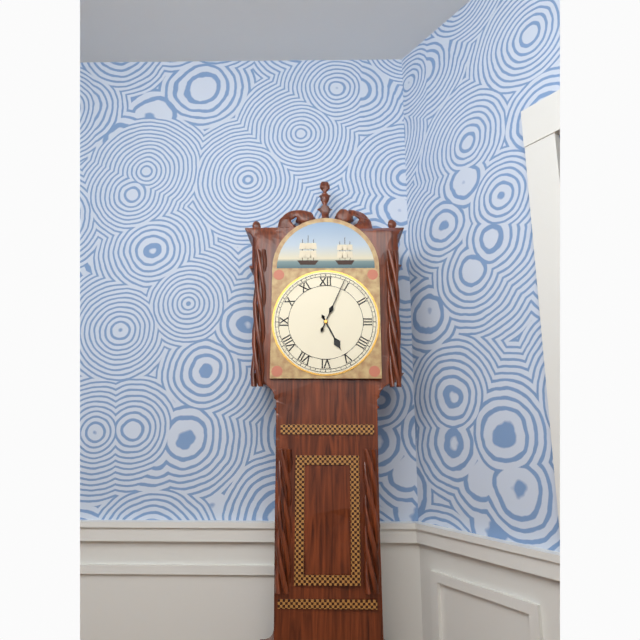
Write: 5,04
